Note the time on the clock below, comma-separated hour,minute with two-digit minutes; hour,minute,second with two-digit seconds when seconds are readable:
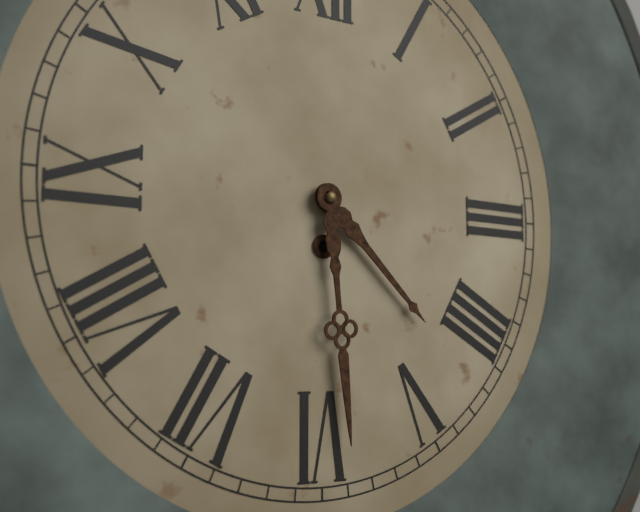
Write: 4,29
